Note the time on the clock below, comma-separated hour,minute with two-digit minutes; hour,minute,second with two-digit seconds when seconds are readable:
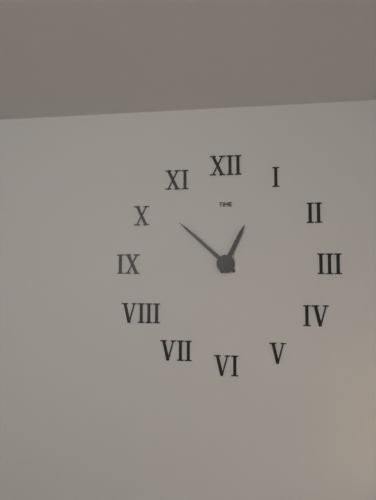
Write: 12,52
